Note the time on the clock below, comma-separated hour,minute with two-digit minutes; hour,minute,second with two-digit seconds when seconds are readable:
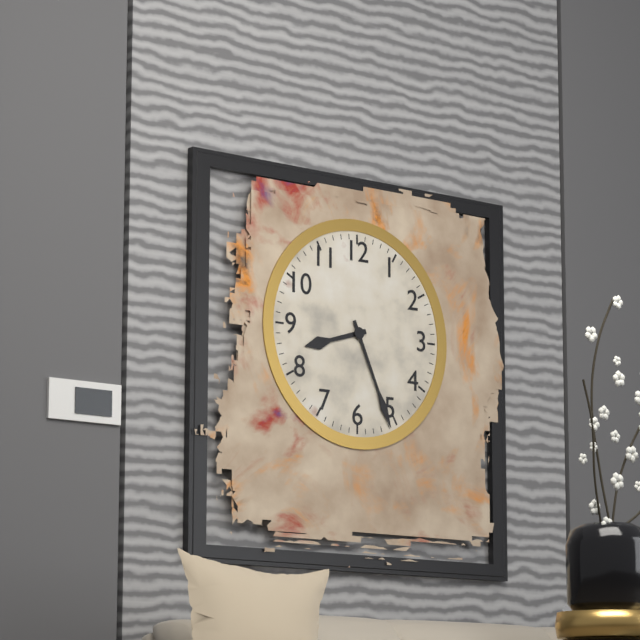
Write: 8,26
